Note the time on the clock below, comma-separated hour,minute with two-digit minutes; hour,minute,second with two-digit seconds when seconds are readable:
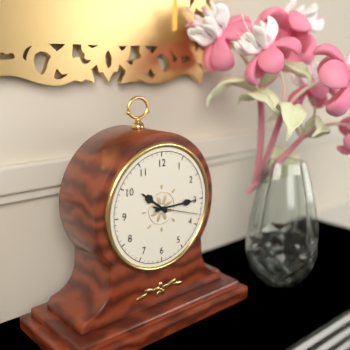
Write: 10,15
